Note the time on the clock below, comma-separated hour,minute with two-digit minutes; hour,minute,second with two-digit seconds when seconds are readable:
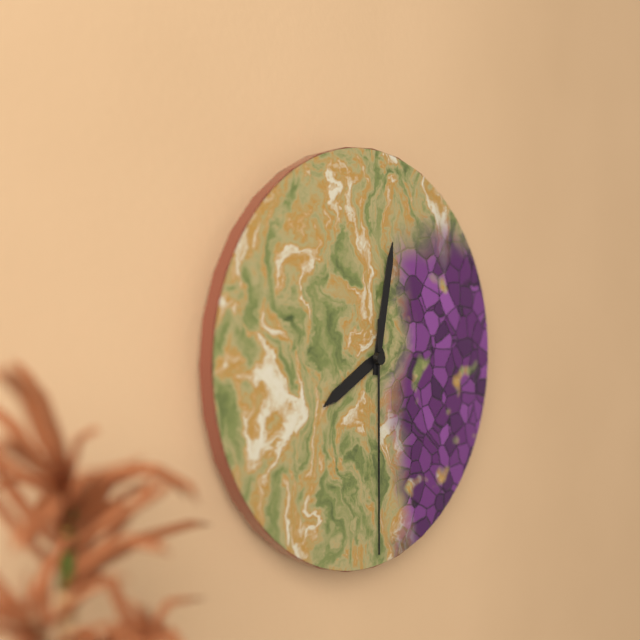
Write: 8,02,30
